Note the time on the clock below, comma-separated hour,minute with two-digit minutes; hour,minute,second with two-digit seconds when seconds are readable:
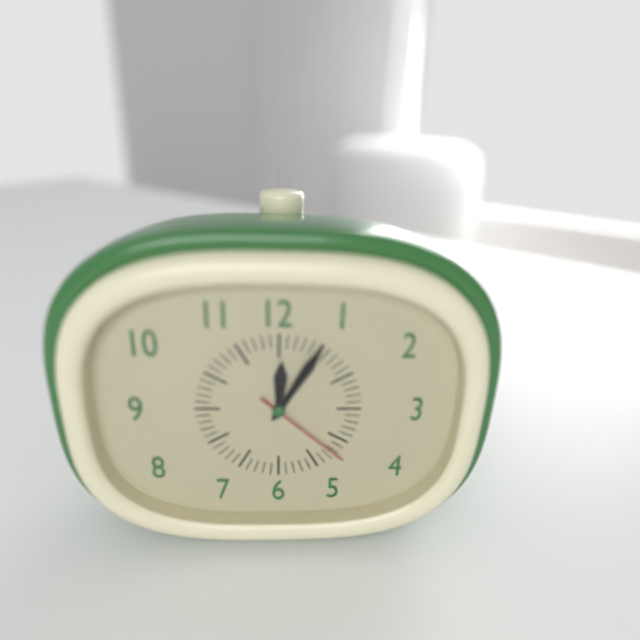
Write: 12,05,22
